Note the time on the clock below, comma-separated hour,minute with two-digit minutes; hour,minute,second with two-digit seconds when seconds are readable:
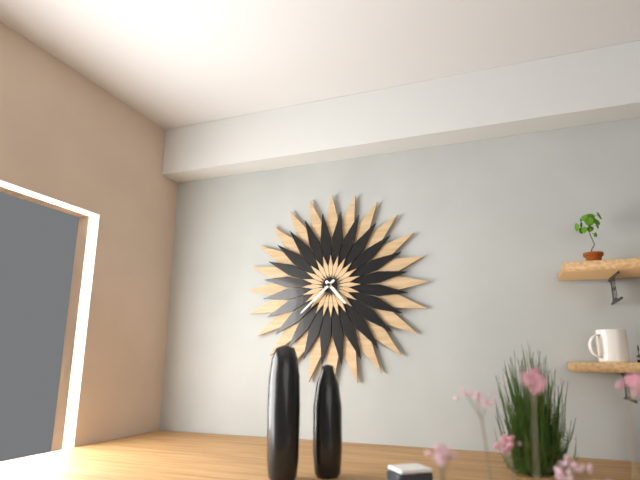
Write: 4,38
